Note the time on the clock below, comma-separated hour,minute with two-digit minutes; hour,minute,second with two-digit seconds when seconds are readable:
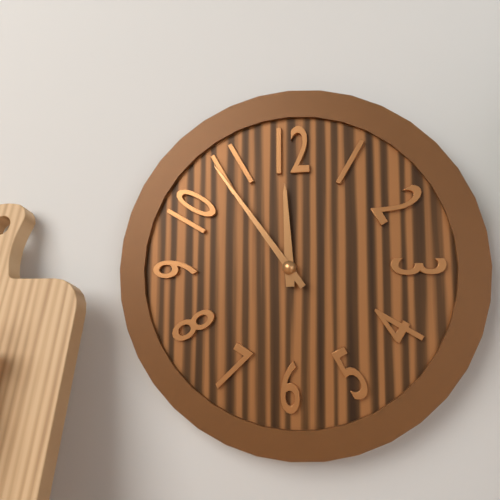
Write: 11,54
